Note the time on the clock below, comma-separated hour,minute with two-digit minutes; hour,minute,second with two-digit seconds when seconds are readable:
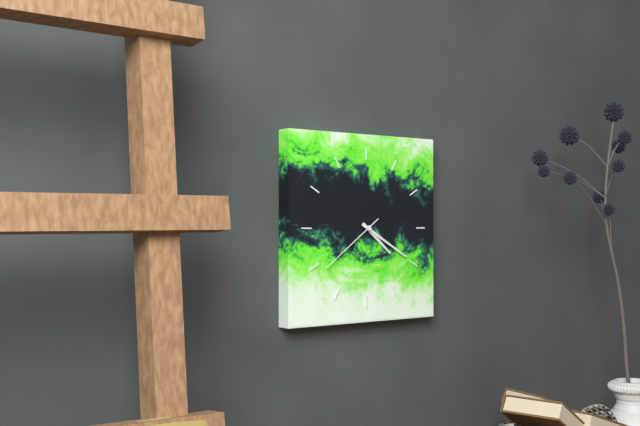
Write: 4,20,39
